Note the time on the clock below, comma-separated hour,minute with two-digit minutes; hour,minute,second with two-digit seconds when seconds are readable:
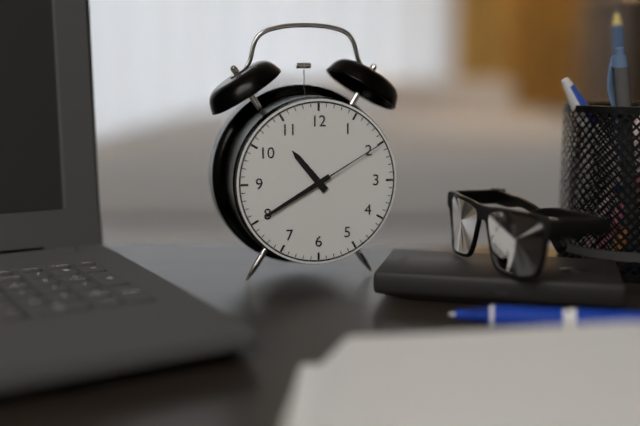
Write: 10,40,10
